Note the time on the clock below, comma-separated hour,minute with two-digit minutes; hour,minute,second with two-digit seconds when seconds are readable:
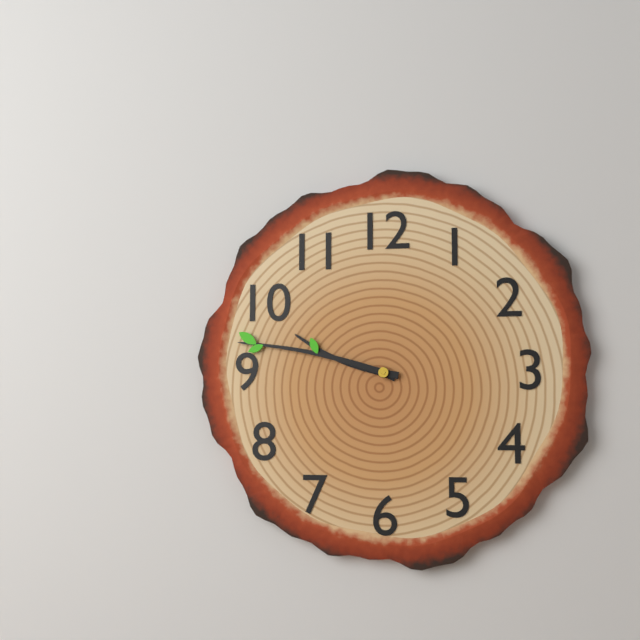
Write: 9,47
